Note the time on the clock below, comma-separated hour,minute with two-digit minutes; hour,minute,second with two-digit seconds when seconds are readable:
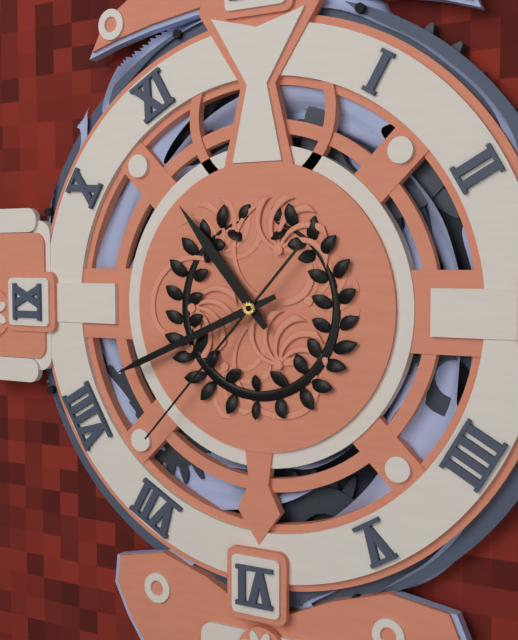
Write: 10,41,37
